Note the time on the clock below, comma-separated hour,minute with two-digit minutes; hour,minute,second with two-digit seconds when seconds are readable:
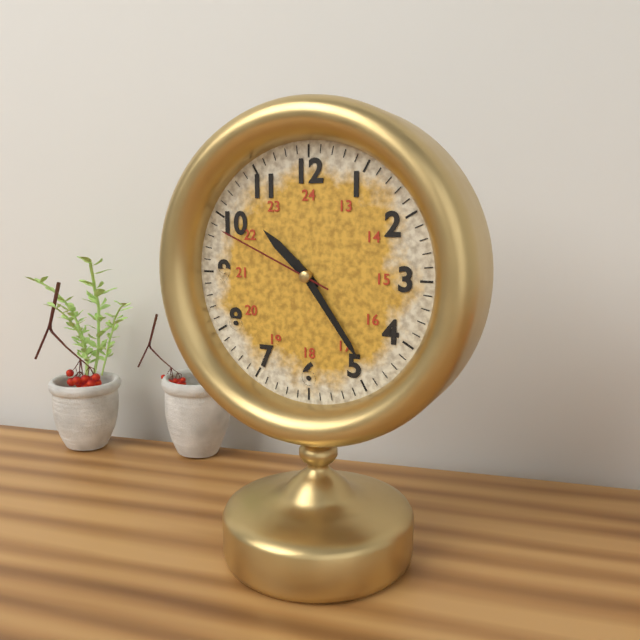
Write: 10,24,49
